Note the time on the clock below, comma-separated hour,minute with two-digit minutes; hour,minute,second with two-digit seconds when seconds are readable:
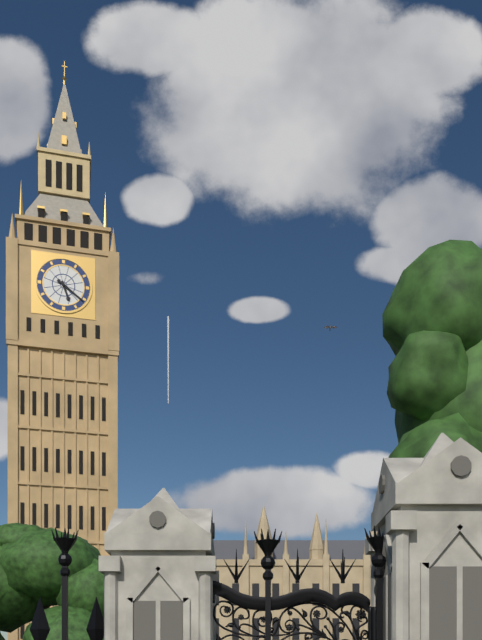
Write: 5,21
